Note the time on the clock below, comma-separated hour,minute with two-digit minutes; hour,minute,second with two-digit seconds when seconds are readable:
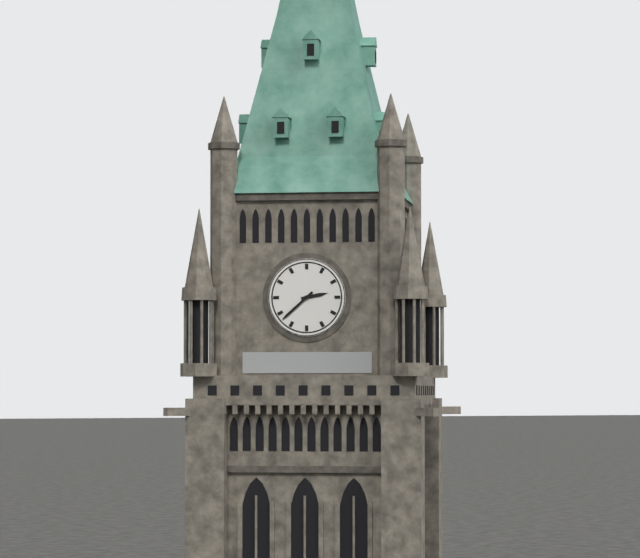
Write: 2,38
